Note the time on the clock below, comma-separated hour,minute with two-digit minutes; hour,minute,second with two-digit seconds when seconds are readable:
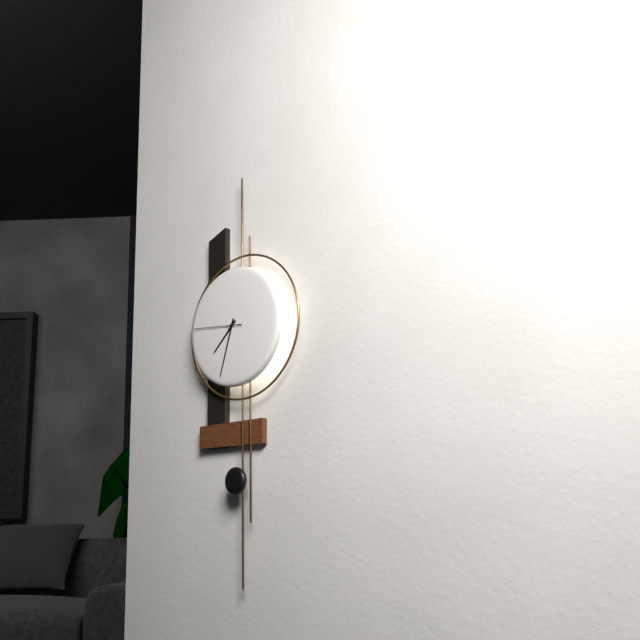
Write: 7,33
